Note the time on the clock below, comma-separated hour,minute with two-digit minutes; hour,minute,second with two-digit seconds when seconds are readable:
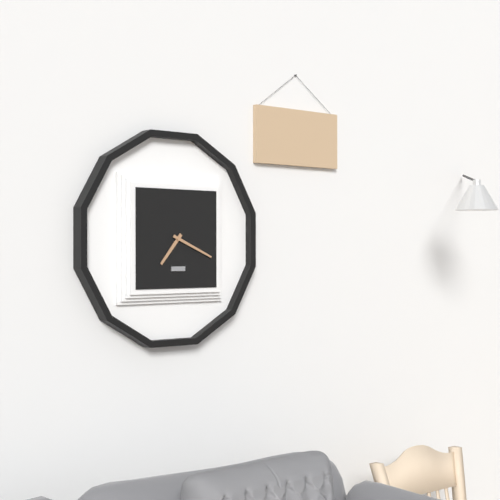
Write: 7,19
